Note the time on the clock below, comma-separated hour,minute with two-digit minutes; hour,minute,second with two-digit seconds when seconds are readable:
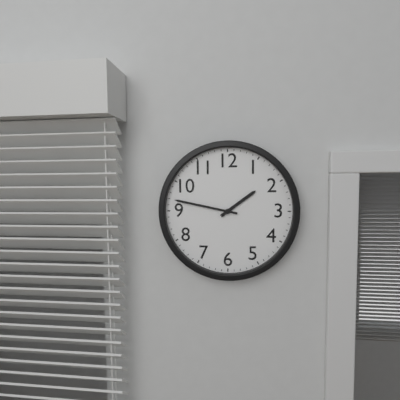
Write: 1,47
